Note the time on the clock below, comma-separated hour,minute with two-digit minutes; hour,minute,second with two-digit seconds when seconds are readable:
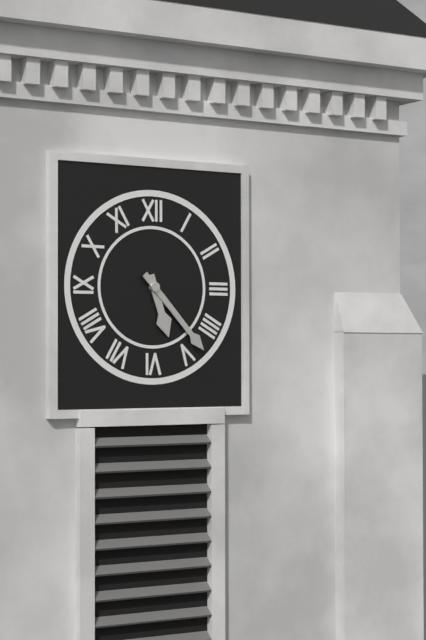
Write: 5,23
